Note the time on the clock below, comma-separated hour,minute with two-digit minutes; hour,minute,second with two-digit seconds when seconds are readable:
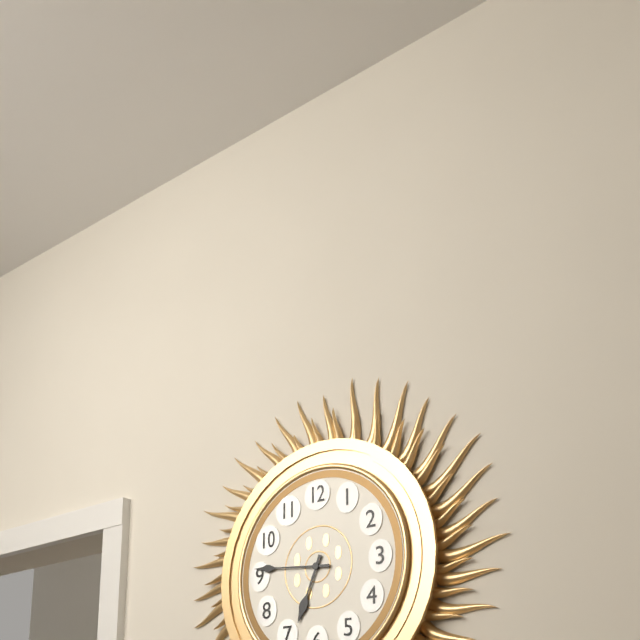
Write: 6,46
